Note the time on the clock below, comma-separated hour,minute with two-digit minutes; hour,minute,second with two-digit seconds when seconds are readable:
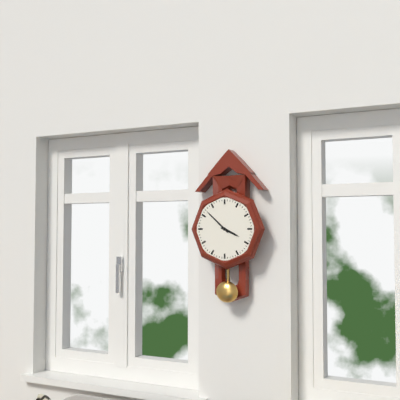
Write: 3,52
